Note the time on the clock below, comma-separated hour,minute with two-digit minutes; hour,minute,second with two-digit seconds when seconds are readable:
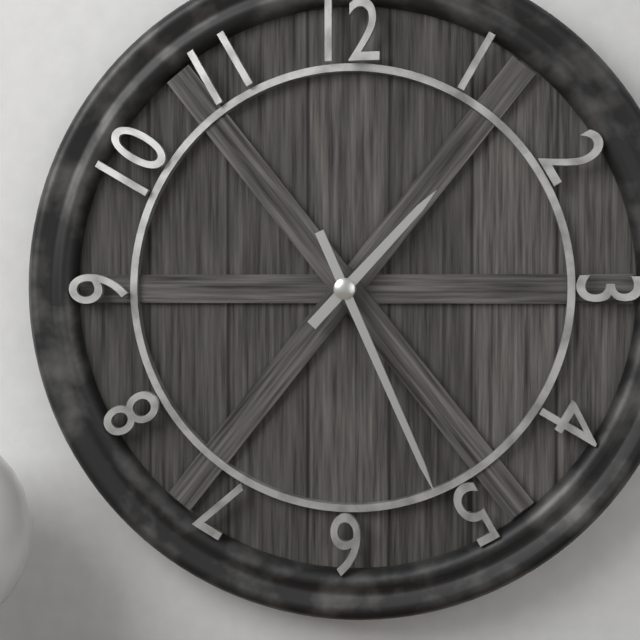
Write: 1,26
